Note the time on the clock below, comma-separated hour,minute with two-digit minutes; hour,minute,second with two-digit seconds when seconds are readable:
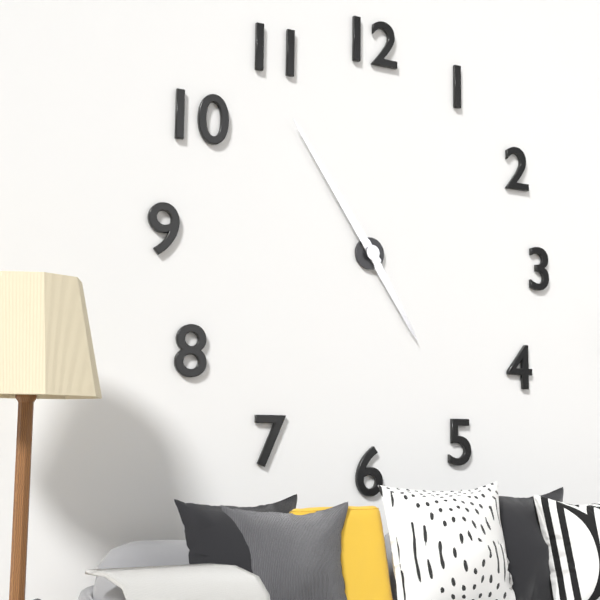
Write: 4,54
